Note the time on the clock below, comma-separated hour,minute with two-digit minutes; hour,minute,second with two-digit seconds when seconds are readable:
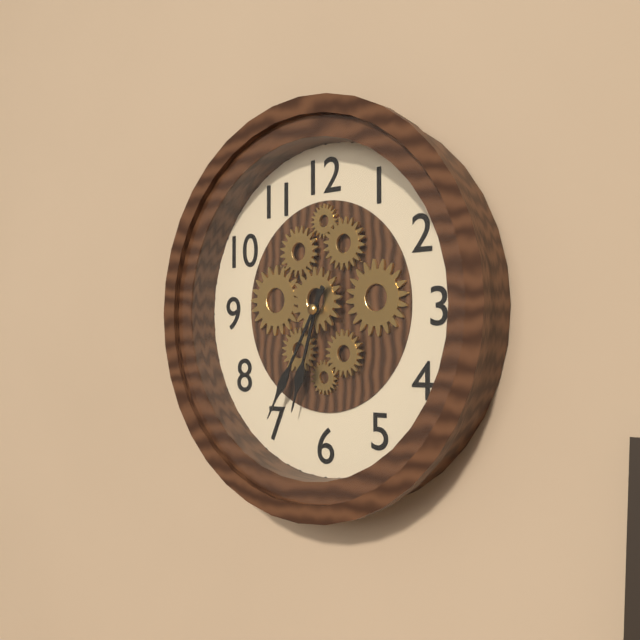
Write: 6,35
